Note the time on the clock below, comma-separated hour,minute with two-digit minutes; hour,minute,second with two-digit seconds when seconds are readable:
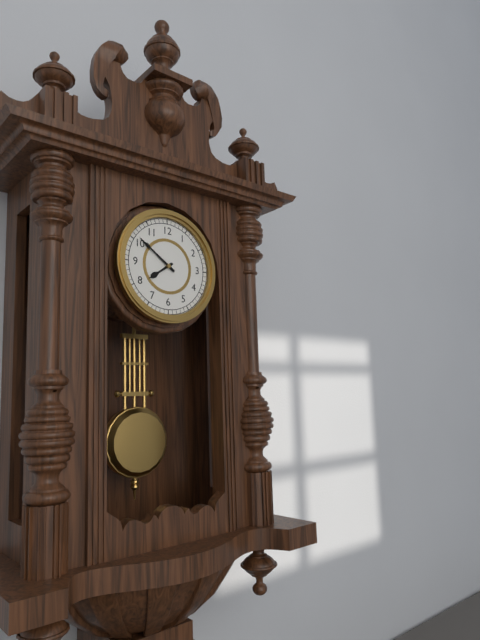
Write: 7,51
